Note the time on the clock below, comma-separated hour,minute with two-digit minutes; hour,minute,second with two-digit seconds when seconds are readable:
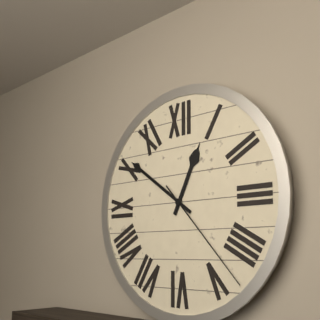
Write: 12,51,23
